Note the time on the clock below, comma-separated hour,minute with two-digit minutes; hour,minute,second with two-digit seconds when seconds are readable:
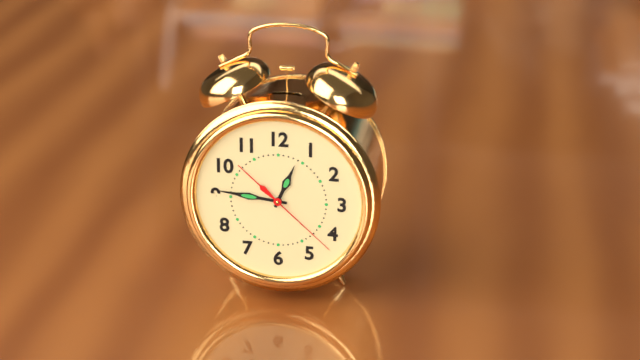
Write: 12,46,22
